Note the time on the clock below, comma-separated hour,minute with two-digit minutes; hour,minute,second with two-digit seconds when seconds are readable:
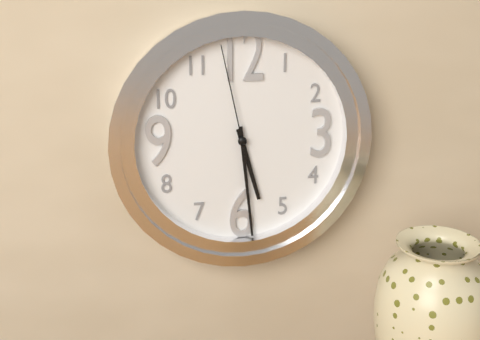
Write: 5,29,58
